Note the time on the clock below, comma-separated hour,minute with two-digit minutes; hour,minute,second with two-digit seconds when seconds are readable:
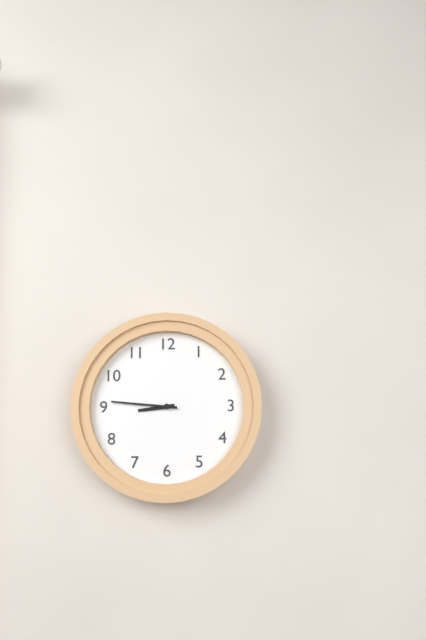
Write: 8,46
